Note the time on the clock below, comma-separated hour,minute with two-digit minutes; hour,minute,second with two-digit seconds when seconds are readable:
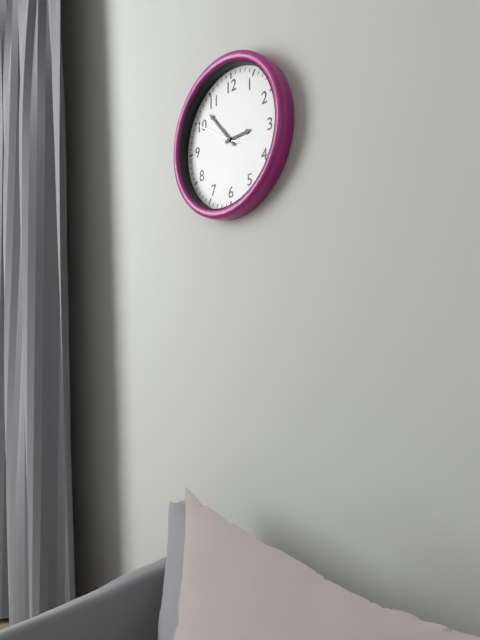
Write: 2,53
